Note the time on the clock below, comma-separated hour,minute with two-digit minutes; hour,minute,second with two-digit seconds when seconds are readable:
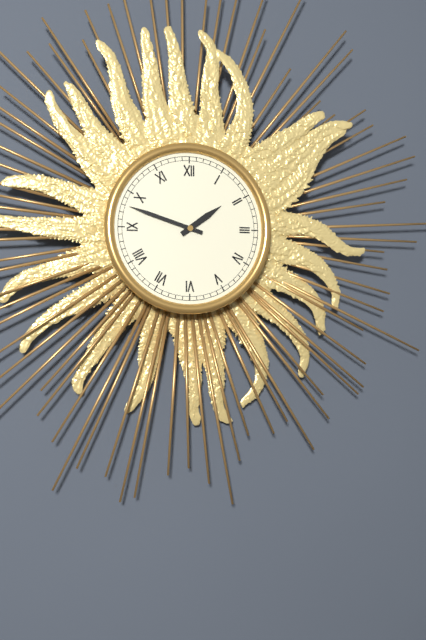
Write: 1,48
